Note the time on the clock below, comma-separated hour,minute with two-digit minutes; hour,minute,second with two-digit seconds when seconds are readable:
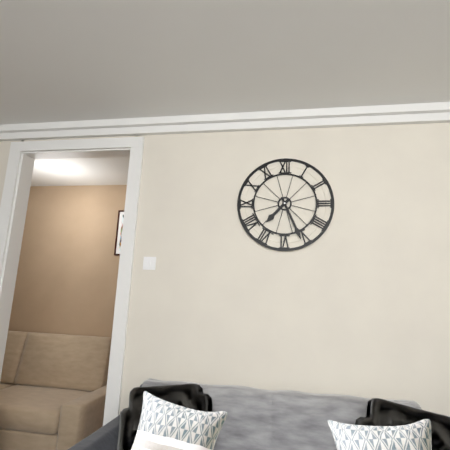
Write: 7,26
